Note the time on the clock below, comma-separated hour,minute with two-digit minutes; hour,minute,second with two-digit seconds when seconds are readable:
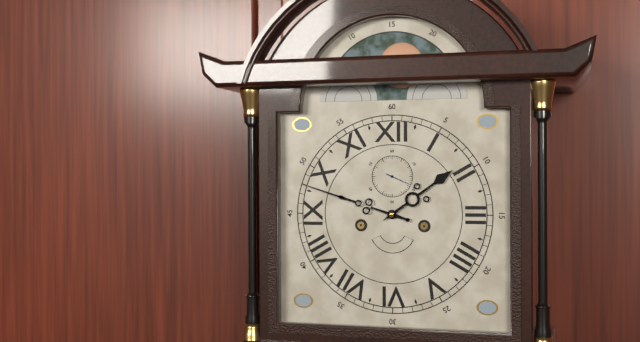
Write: 1,48
